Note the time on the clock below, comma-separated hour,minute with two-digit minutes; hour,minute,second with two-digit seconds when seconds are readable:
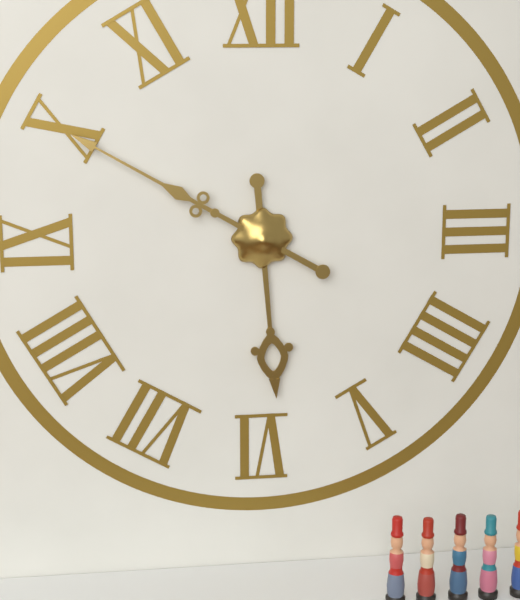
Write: 5,50
